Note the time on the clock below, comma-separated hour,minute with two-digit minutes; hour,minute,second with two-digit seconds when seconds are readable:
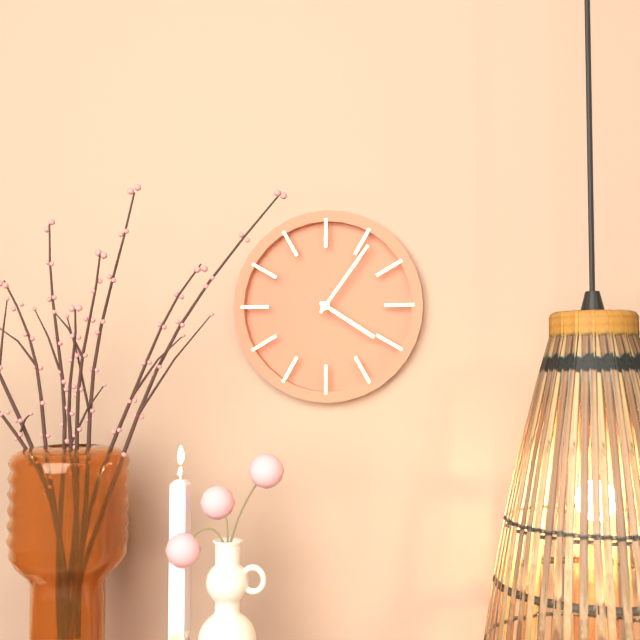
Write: 4,06
